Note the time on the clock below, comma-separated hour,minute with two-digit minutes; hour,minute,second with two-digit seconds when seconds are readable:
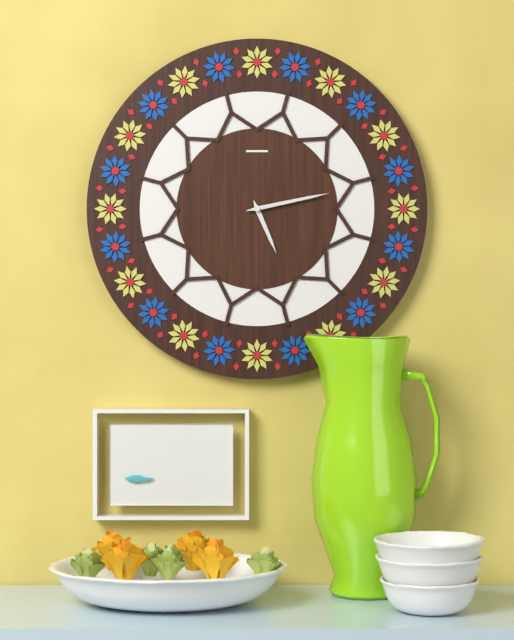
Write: 5,13
